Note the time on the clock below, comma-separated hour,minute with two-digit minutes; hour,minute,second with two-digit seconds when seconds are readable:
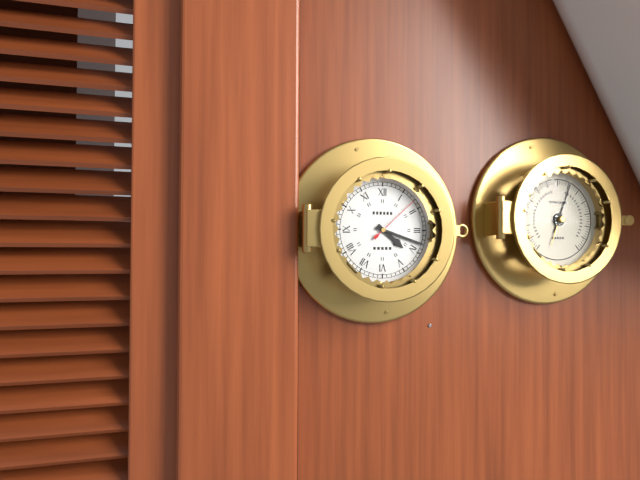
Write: 4,18,08
